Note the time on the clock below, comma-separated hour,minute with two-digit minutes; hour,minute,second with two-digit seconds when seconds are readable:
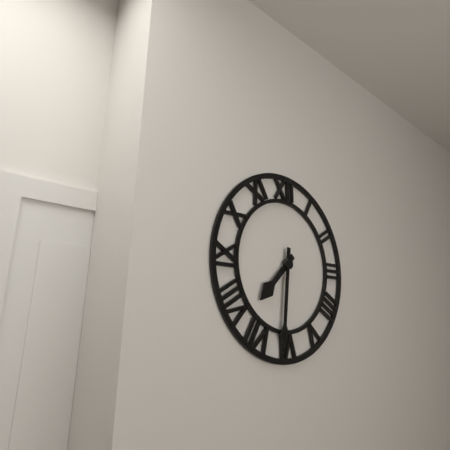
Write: 7,31
